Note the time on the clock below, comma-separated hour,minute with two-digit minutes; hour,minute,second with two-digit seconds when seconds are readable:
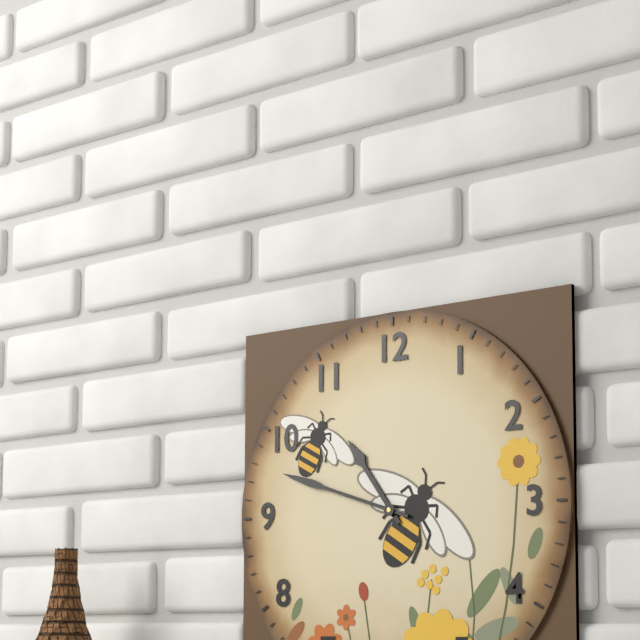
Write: 10,48
